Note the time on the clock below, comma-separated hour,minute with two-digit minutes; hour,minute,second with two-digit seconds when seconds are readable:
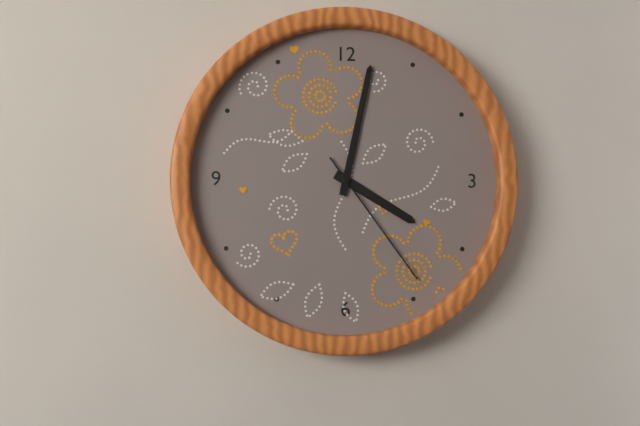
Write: 4,02,24
